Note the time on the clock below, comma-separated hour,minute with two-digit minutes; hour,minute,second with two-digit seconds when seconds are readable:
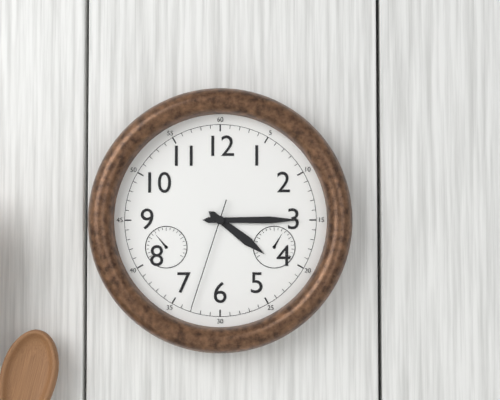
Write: 4,15,33
